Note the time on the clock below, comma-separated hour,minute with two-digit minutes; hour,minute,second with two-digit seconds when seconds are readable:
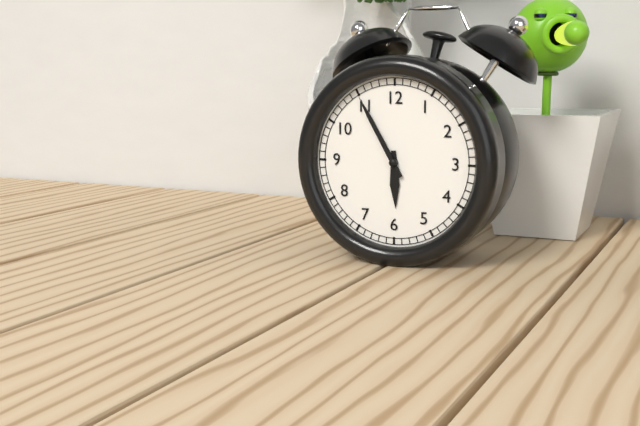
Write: 5,55
